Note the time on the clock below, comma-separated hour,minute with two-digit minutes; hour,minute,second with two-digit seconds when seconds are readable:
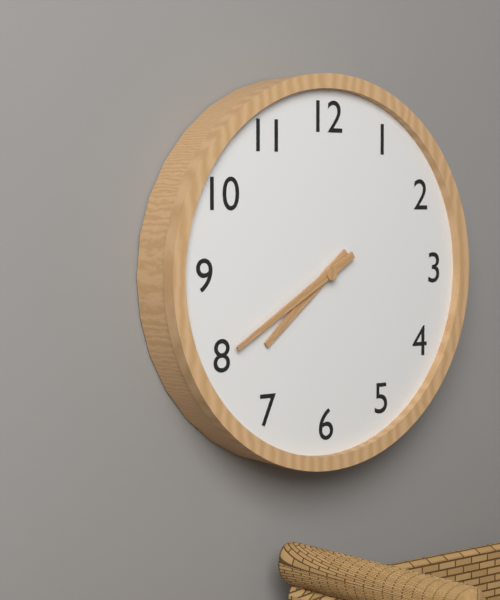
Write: 7,40
